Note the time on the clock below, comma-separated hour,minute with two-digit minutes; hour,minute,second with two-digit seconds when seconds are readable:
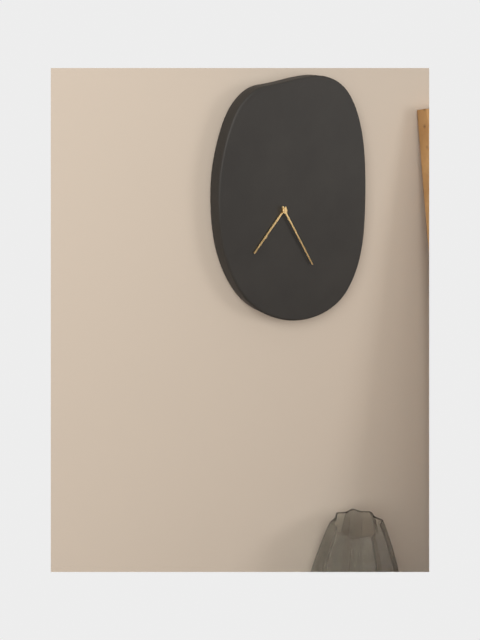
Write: 7,25
